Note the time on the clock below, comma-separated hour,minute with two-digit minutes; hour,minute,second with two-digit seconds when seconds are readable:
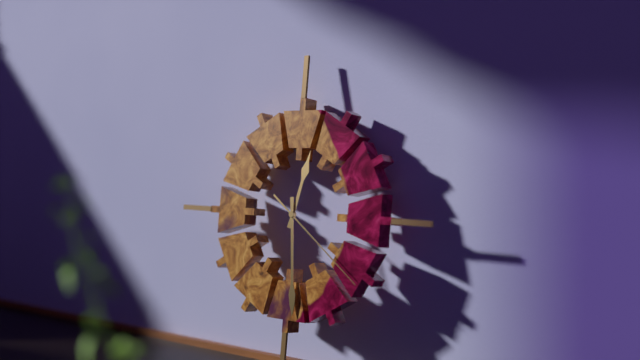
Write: 12,29,21
